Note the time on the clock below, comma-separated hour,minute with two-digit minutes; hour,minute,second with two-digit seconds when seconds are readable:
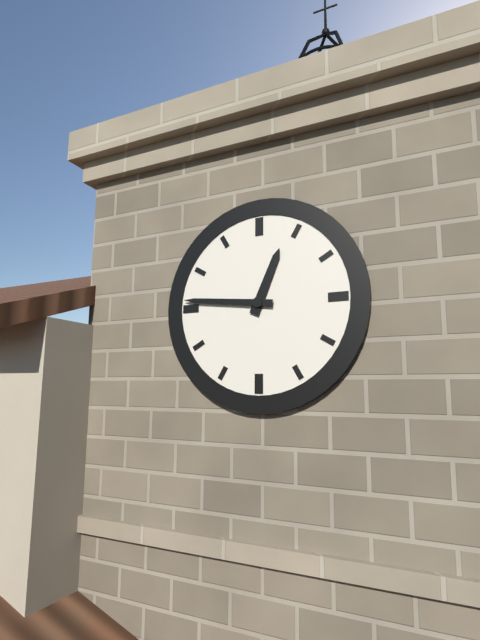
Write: 12,46
